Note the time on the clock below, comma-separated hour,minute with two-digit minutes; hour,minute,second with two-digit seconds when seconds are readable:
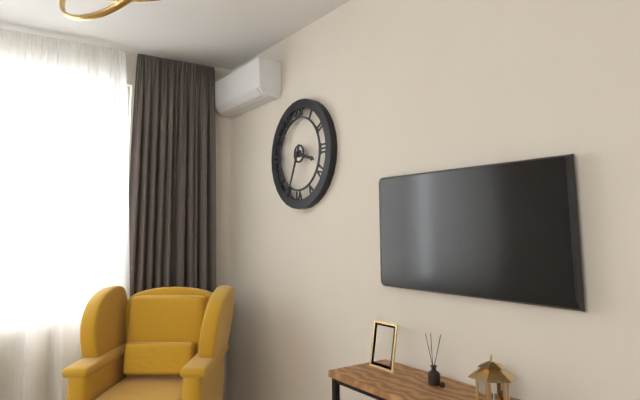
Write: 3,34
